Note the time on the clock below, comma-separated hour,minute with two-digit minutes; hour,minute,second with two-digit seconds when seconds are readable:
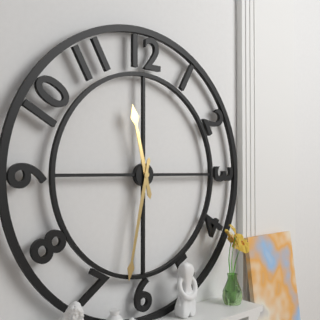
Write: 11,32
